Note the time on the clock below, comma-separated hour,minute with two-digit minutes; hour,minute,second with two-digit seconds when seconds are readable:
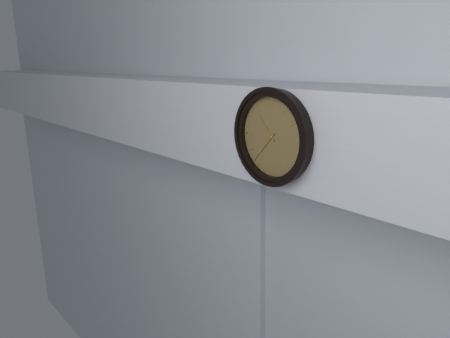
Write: 10,37
